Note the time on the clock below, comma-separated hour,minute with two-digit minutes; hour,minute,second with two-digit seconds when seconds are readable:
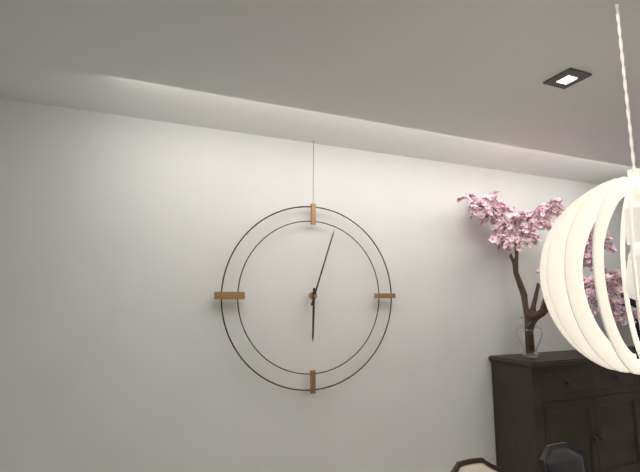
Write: 6,03
